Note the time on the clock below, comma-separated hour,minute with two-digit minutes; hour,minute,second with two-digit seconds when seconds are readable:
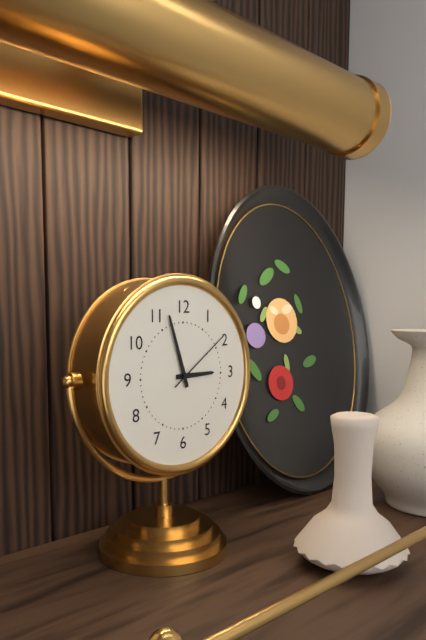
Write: 2,57,09
